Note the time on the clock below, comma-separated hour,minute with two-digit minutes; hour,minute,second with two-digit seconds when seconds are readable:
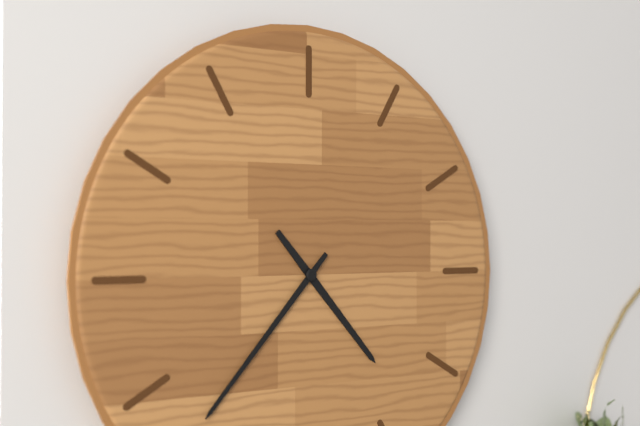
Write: 4,37
